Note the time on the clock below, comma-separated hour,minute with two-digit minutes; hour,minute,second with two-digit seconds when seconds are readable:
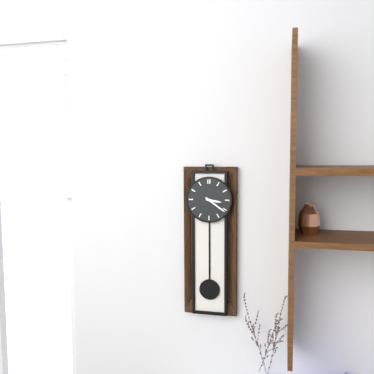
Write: 3,21
